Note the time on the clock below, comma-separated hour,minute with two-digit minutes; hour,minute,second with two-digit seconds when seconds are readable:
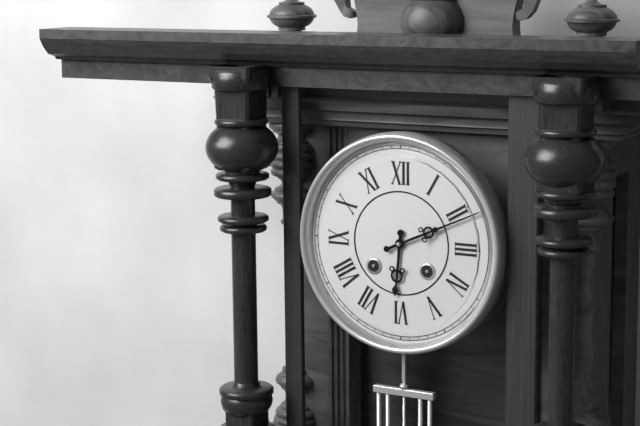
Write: 6,11
